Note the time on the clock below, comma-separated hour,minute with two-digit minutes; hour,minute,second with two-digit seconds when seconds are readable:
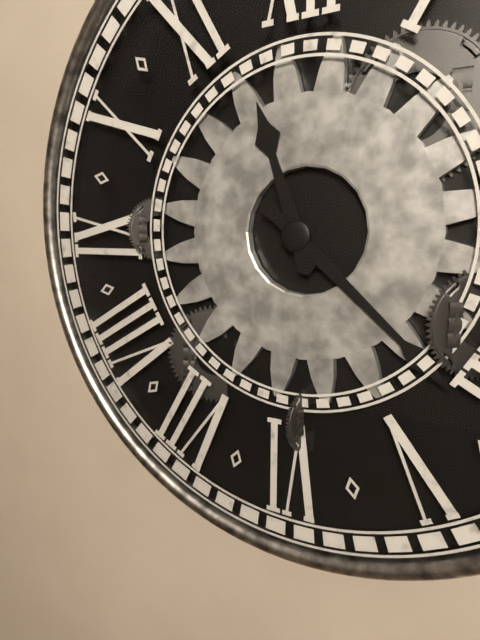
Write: 11,22
